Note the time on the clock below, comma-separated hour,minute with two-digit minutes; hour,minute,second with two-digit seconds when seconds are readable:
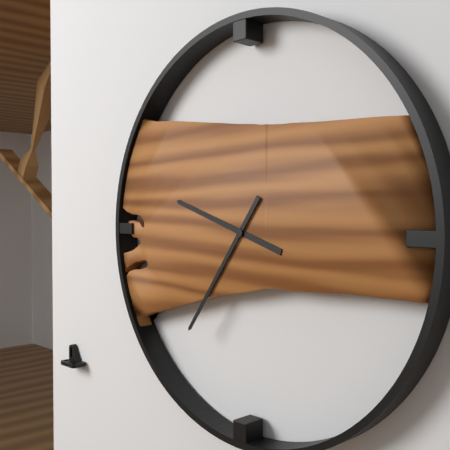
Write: 9,36
